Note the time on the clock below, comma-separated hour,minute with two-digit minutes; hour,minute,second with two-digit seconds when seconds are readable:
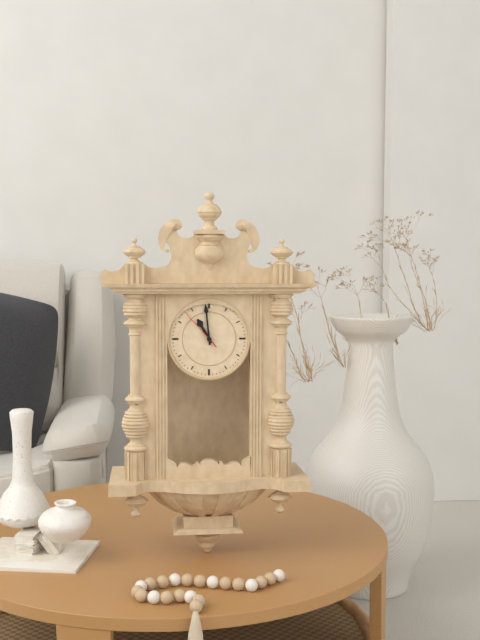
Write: 10,59
